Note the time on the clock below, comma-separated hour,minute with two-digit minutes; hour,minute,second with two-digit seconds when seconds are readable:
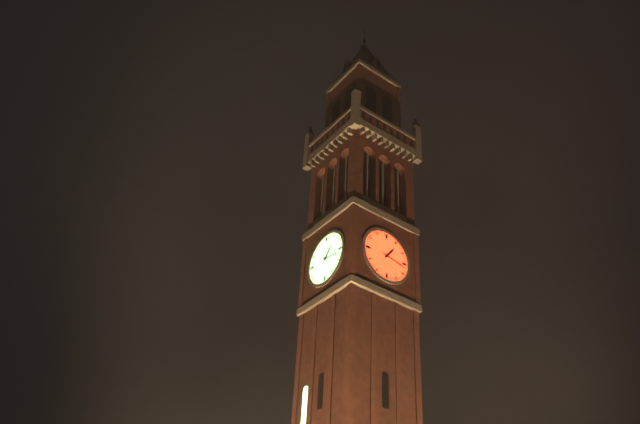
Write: 1,17
